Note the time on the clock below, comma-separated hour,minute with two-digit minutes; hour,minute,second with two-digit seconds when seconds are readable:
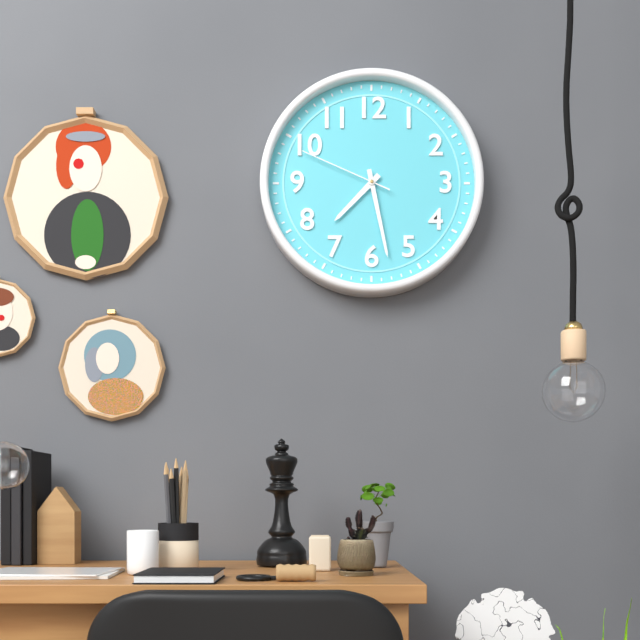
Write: 7,28,49
